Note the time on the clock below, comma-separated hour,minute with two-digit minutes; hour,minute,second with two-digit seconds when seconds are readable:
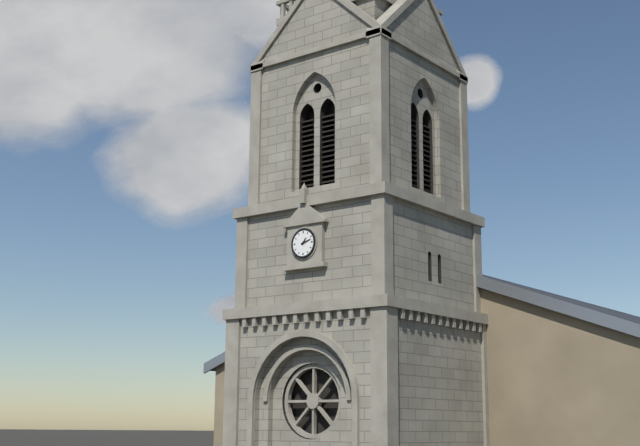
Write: 1,12
